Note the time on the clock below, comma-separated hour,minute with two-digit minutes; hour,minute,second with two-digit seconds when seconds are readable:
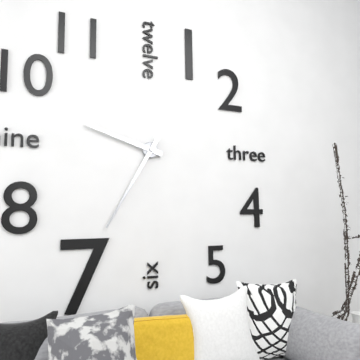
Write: 9,35
